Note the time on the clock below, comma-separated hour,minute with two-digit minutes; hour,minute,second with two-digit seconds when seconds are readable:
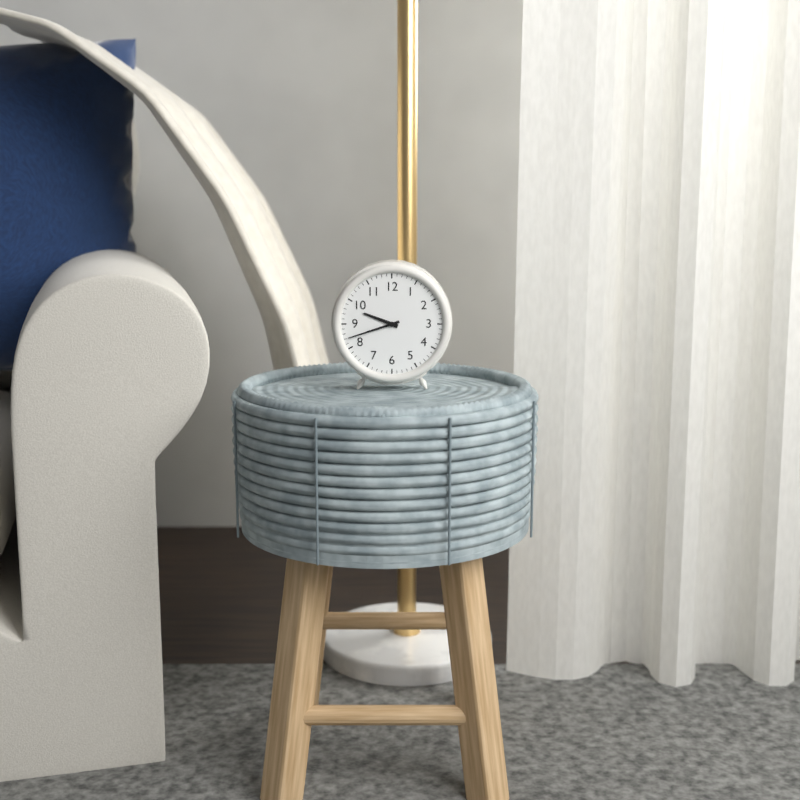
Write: 9,42
